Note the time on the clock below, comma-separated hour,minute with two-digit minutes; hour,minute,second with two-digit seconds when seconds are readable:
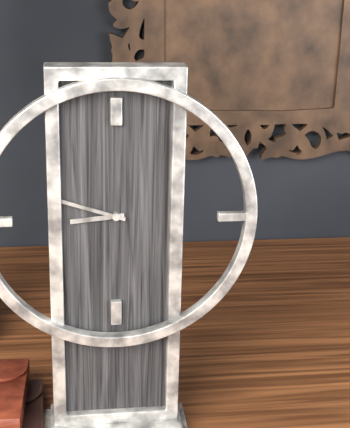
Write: 8,48
